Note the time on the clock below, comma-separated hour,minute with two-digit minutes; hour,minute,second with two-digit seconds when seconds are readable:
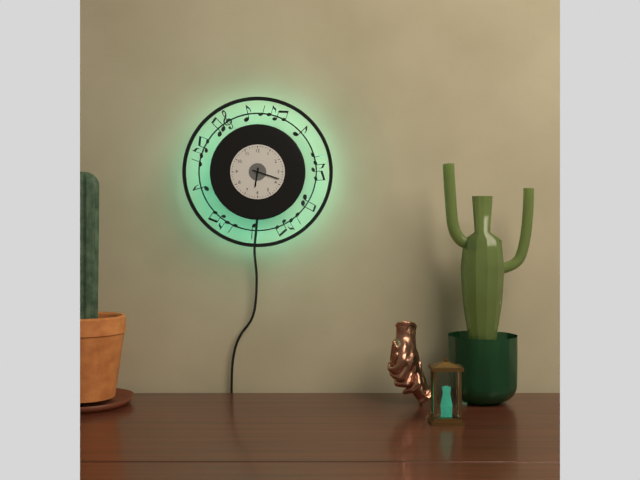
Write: 6,18
